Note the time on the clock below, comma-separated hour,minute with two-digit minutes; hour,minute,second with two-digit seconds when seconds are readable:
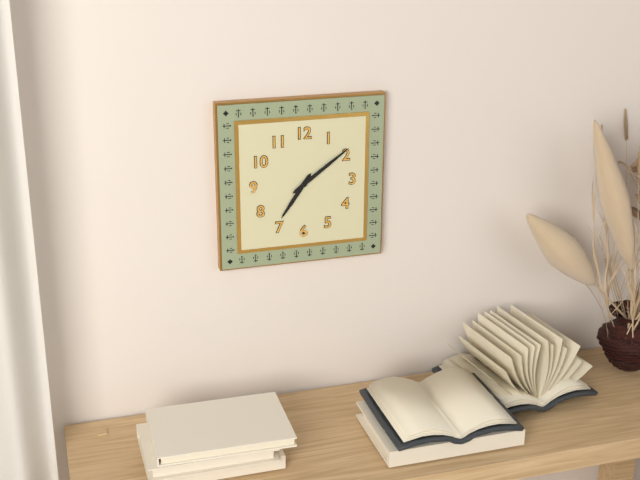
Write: 7,09
